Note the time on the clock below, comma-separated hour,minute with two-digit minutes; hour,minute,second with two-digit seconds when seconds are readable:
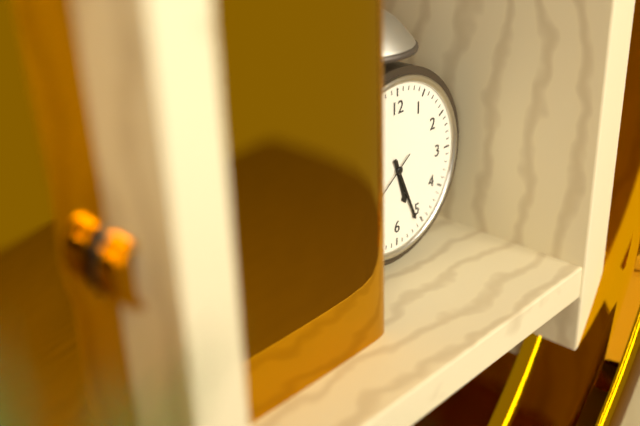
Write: 5,26
